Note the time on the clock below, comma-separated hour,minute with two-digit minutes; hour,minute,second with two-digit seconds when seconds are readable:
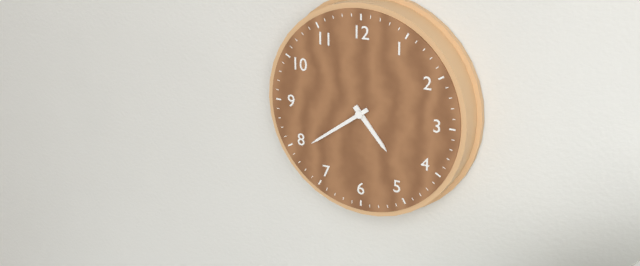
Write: 4,39
